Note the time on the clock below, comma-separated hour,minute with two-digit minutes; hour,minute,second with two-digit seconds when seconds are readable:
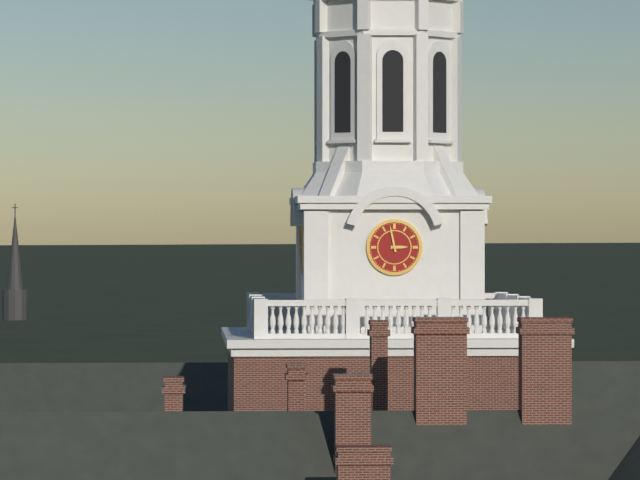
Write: 2,58
